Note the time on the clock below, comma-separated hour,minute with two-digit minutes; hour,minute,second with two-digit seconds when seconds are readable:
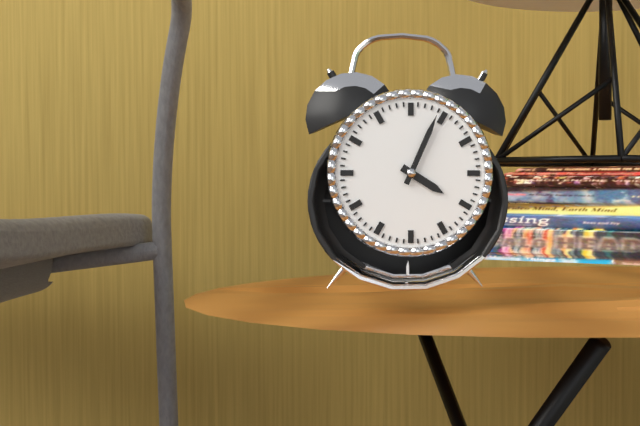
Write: 4,04
